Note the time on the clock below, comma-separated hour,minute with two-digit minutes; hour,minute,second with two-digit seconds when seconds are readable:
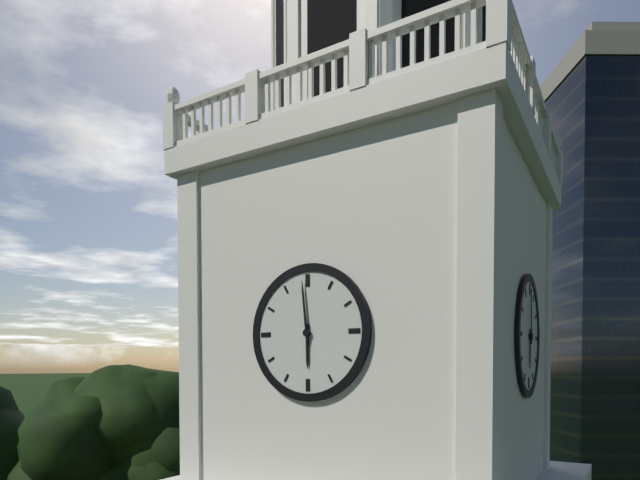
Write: 5,59
